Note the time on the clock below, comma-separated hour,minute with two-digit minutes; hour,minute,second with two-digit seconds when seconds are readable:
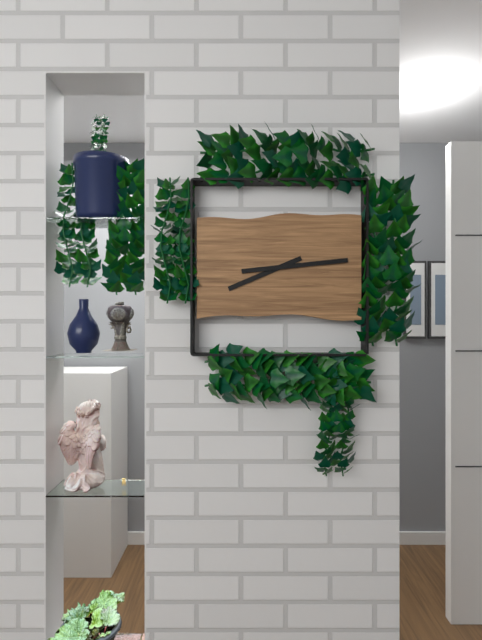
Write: 8,14
